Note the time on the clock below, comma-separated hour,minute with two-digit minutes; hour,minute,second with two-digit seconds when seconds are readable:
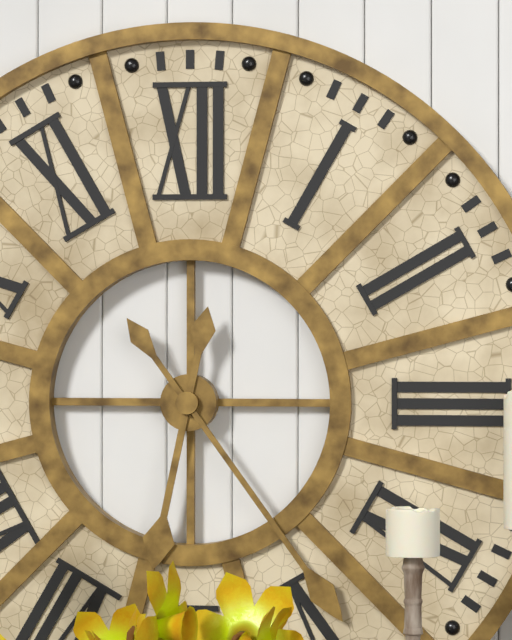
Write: 6,24
